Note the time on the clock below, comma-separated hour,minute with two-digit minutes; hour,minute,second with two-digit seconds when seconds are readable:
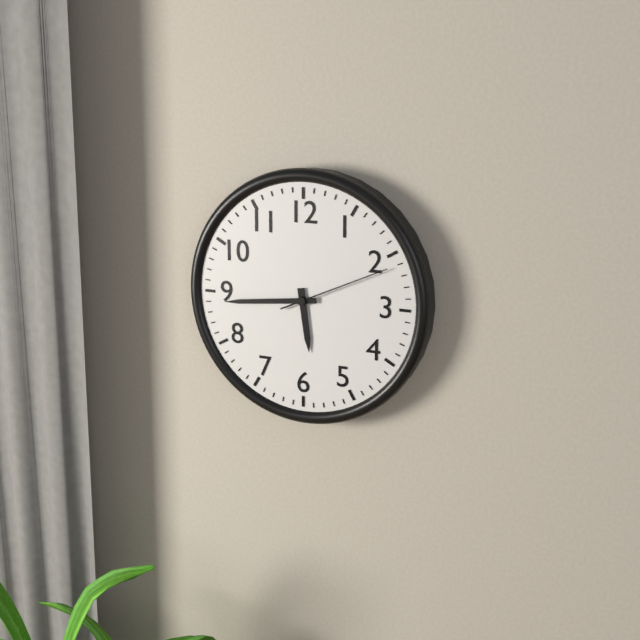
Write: 5,44,11
